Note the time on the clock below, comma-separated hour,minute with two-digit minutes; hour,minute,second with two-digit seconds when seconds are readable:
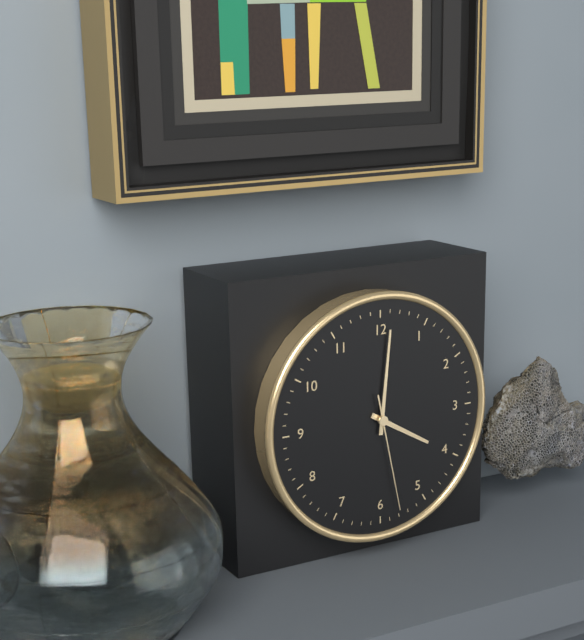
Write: 4,01,28
